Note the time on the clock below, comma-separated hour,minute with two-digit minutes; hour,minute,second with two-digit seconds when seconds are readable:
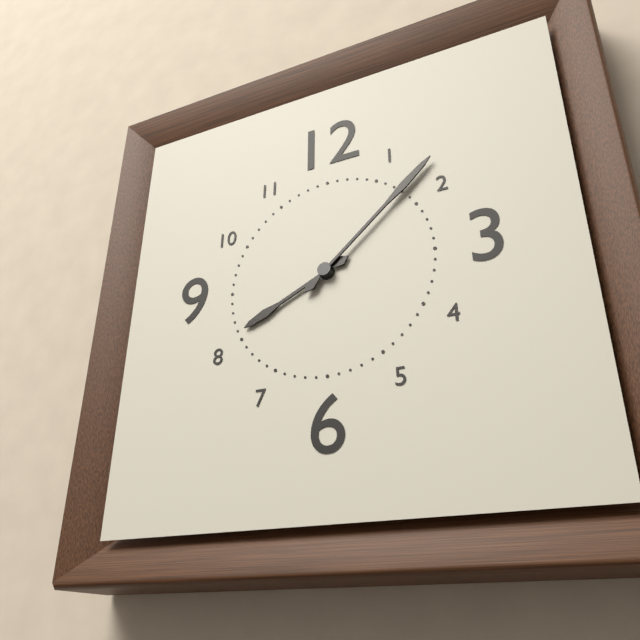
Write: 8,08
